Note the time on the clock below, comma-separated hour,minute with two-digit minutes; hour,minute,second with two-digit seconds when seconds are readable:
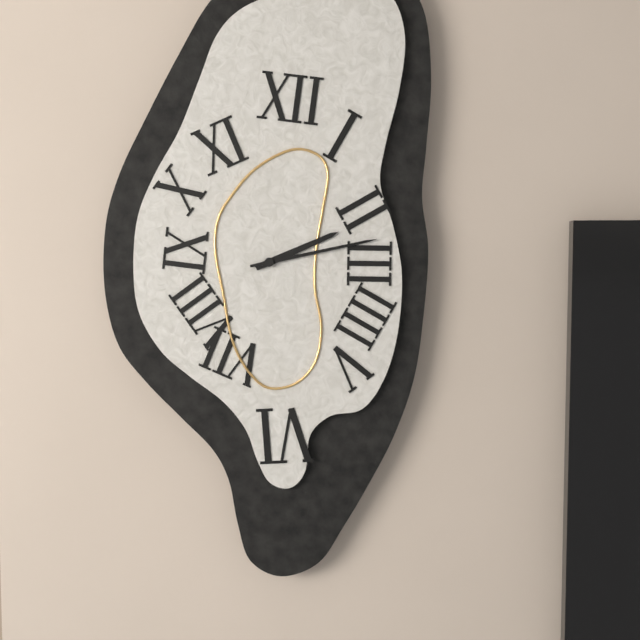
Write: 2,13
